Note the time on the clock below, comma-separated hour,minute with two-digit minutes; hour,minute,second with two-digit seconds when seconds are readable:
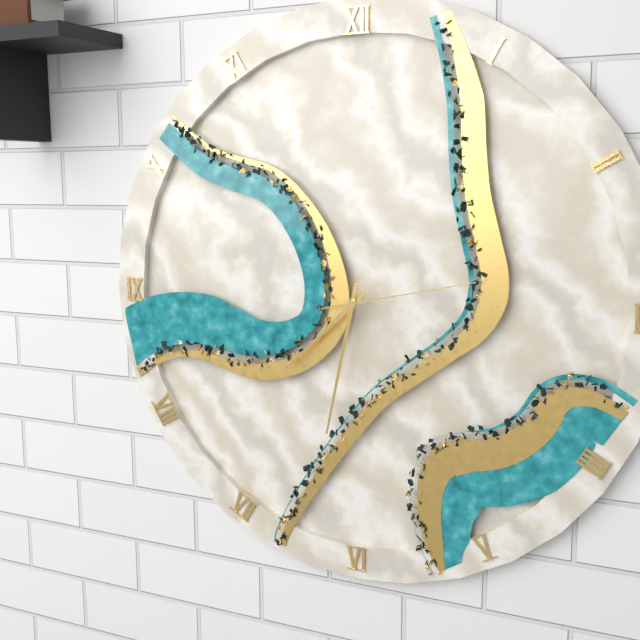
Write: 7,32,13
